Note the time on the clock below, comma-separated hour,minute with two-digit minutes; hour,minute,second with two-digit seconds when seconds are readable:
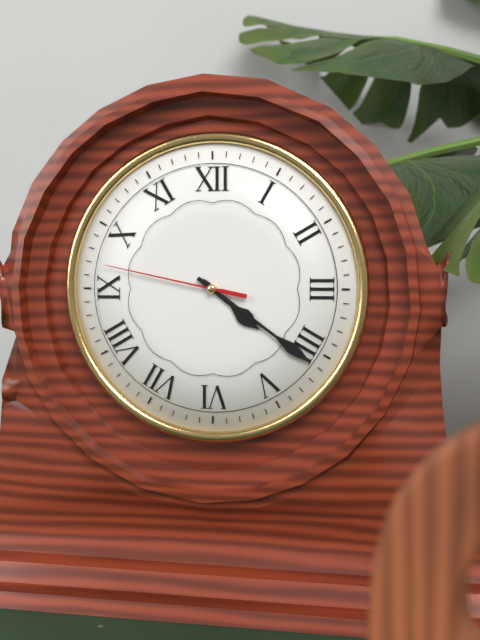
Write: 4,21,47
